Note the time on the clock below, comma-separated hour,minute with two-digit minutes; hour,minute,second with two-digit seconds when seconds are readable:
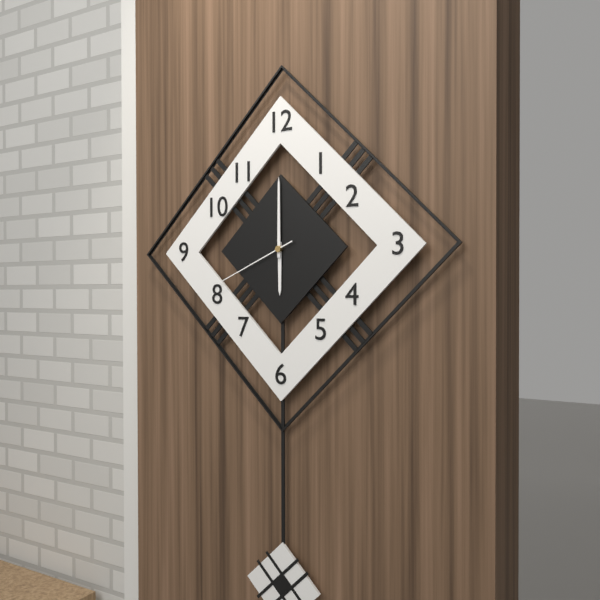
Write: 6,00,41
